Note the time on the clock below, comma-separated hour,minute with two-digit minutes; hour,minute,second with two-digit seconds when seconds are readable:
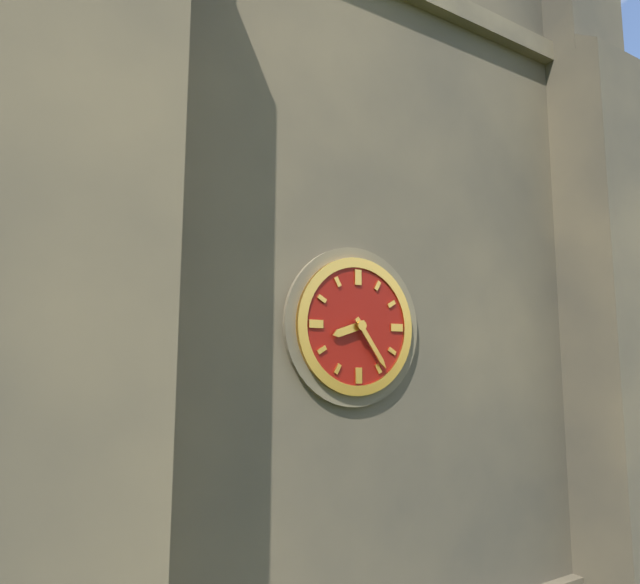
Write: 8,24
